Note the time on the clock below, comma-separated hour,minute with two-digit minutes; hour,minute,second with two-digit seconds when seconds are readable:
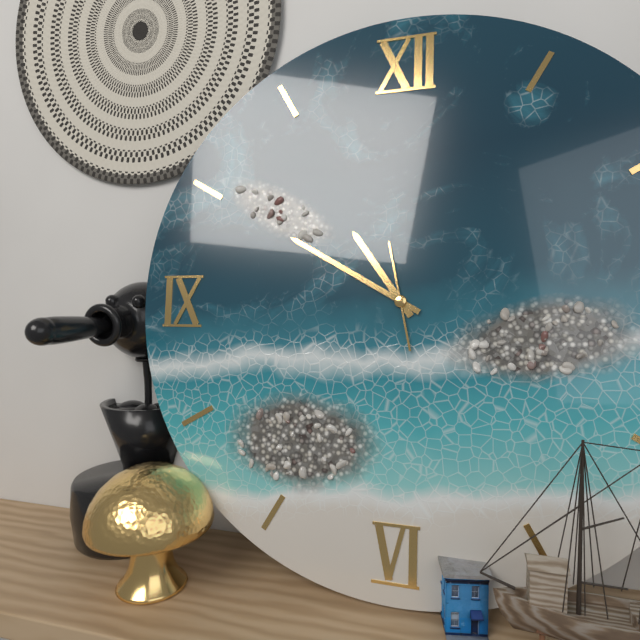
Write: 10,50,58
